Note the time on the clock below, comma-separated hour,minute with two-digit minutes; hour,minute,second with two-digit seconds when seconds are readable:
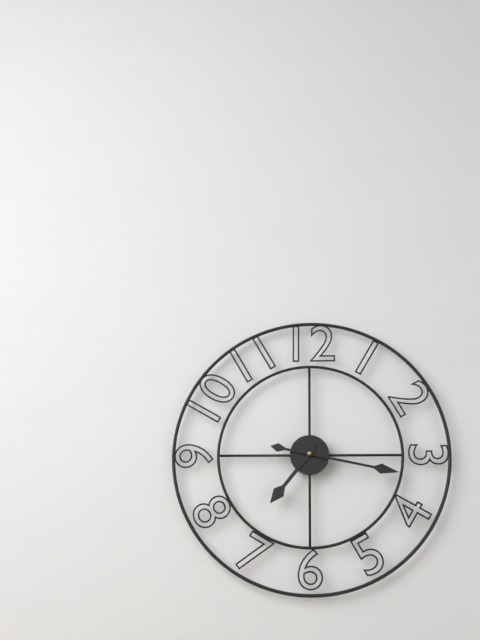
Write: 7,17
